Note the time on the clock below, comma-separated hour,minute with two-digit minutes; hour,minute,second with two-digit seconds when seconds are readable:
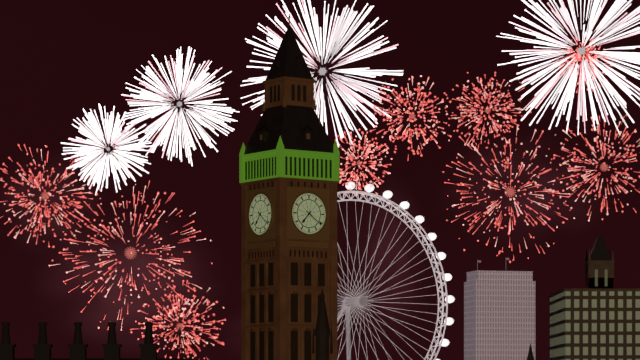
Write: 7,21
